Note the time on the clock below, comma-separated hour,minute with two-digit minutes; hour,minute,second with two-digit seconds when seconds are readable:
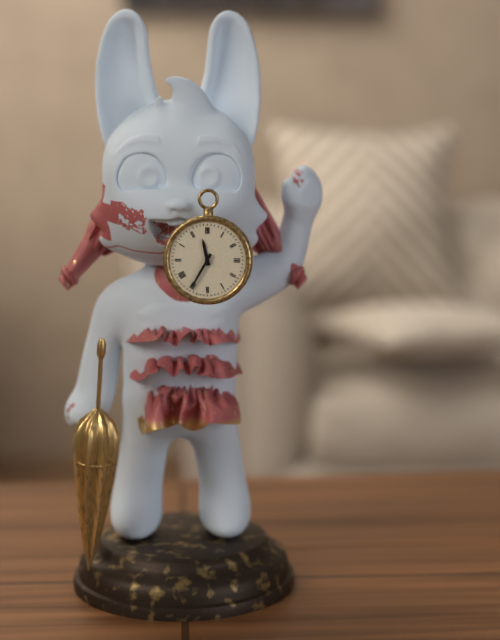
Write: 11,35
